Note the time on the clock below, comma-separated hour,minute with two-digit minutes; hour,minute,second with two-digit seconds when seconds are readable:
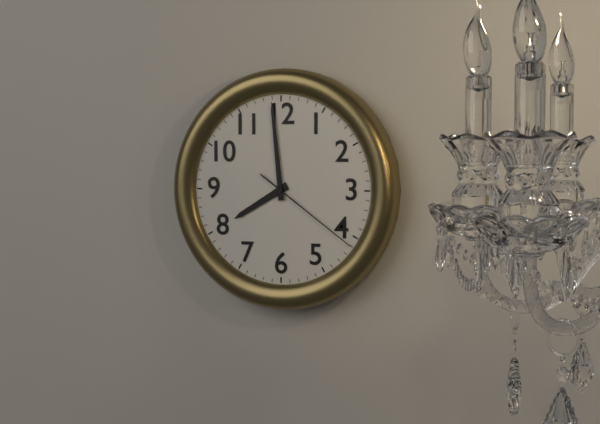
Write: 7,59,21
